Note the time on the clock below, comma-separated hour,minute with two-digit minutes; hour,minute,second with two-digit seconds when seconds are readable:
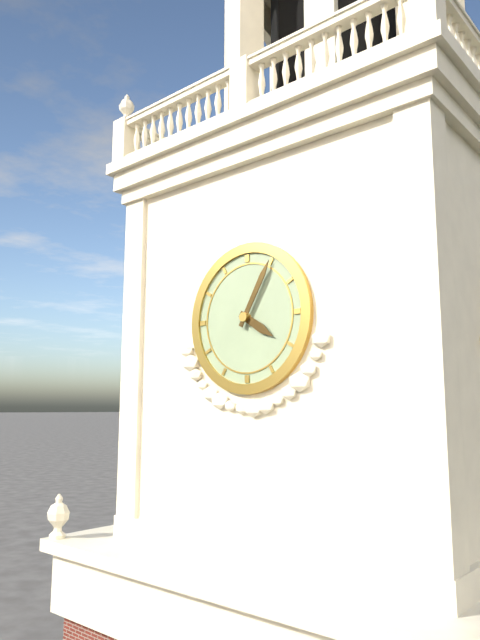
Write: 4,05
